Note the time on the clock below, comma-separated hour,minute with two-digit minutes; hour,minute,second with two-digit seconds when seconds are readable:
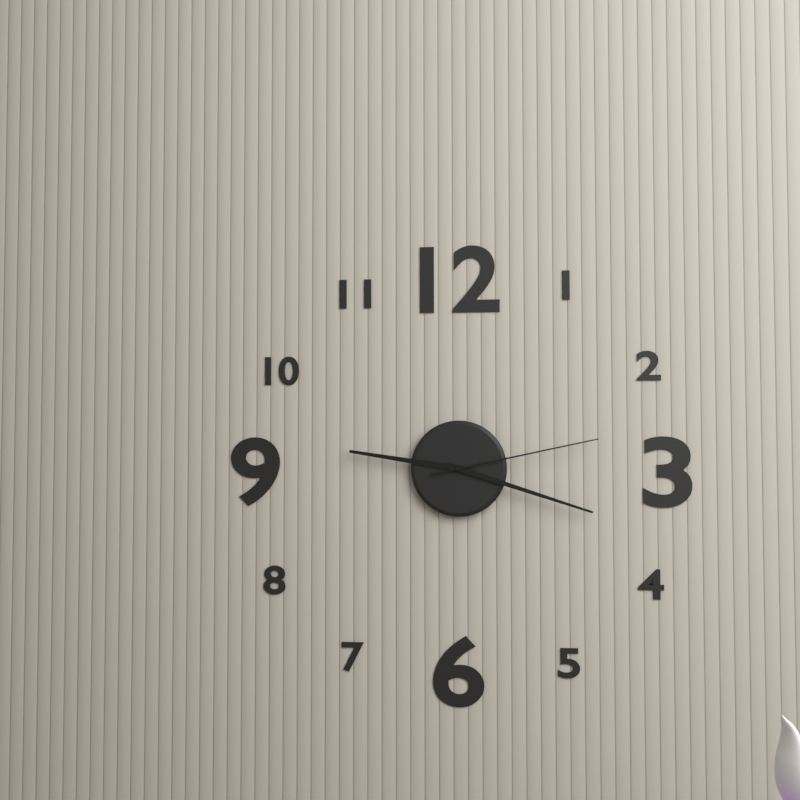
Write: 9,18,13
